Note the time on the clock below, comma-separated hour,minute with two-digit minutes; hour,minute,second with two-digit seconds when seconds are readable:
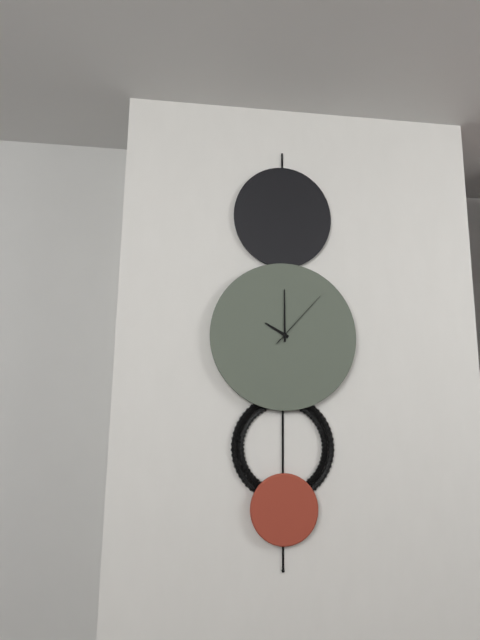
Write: 10,00,07
